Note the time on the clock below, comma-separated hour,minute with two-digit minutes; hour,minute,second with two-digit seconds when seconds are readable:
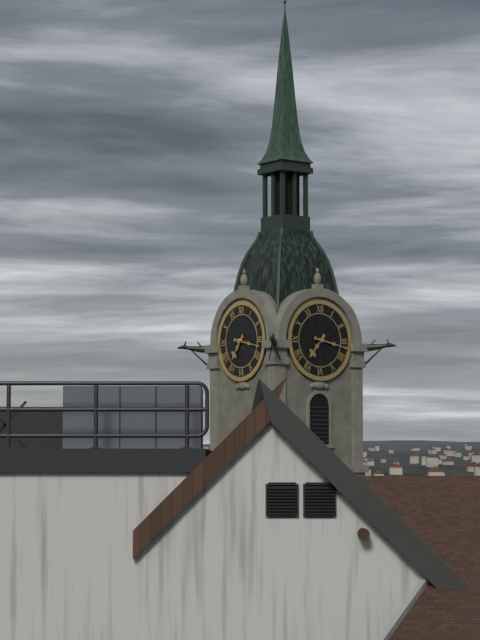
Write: 7,17
